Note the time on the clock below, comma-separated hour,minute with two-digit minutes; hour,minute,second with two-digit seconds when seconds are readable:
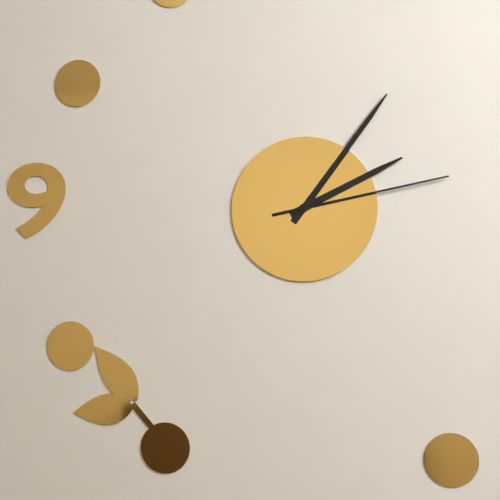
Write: 2,06,13
